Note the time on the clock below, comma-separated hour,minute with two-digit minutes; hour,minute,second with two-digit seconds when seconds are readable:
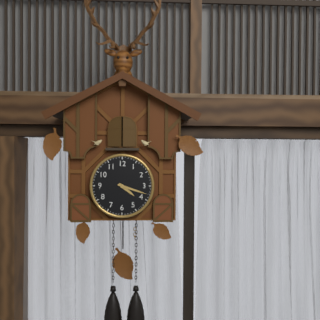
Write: 4,18
